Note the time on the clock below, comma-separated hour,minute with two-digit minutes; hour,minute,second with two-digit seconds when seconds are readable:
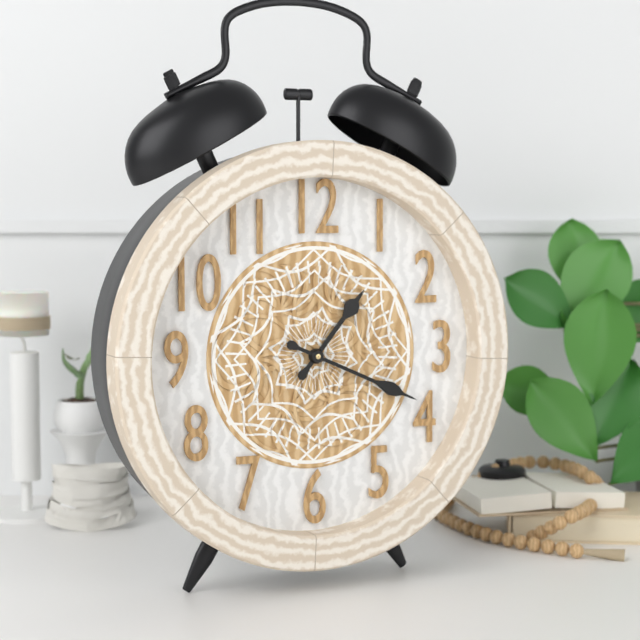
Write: 1,19
